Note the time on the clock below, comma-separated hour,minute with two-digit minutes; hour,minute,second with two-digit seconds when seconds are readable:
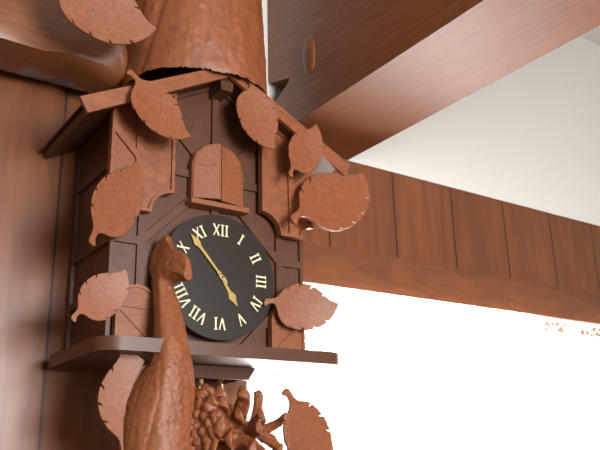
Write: 4,53
